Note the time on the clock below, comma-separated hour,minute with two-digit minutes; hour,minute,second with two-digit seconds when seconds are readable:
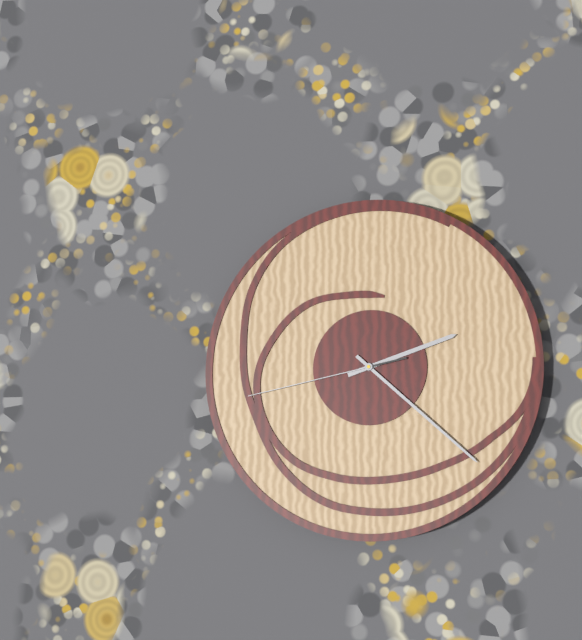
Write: 2,22,43
